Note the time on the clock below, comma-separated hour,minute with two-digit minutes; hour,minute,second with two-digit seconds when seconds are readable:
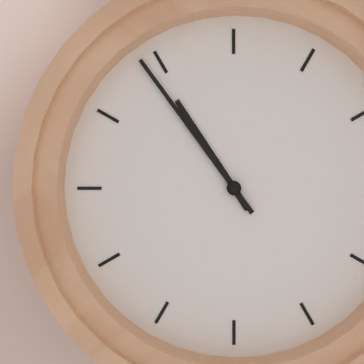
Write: 10,54
